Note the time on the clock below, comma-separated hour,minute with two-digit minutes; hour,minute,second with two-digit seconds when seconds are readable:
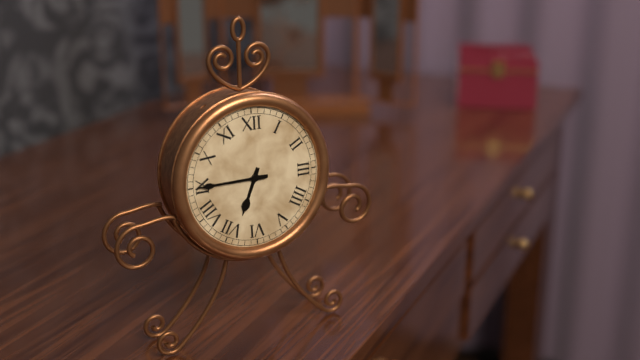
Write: 6,45
